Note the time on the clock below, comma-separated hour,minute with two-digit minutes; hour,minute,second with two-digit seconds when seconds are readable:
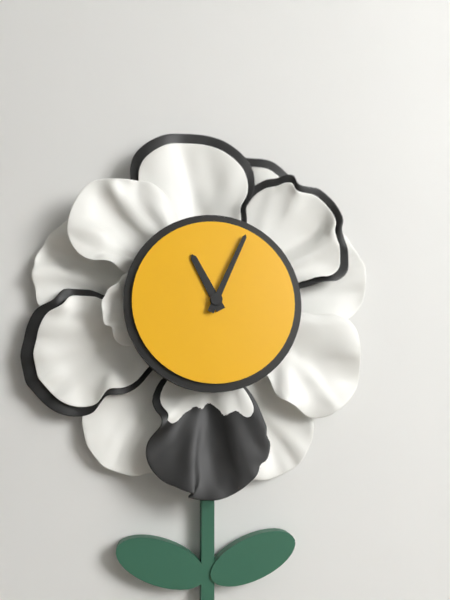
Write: 11,04
